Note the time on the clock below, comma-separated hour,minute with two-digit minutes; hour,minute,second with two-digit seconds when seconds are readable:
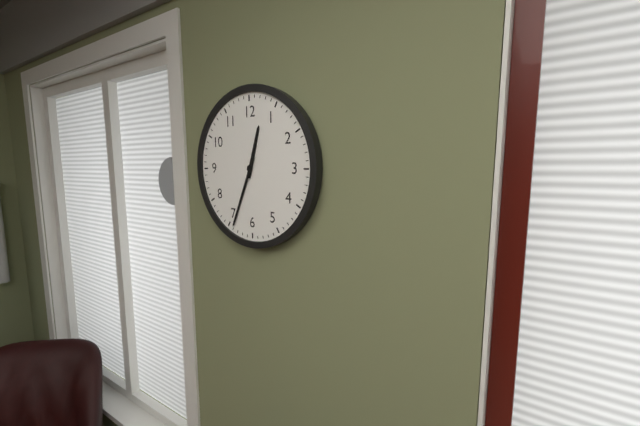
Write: 12,34
